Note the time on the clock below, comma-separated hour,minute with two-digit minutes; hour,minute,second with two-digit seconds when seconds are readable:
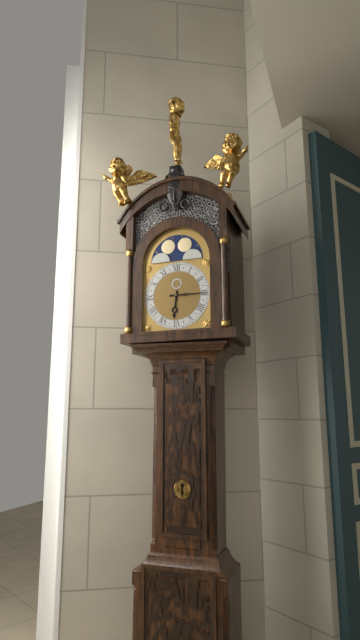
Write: 6,15
